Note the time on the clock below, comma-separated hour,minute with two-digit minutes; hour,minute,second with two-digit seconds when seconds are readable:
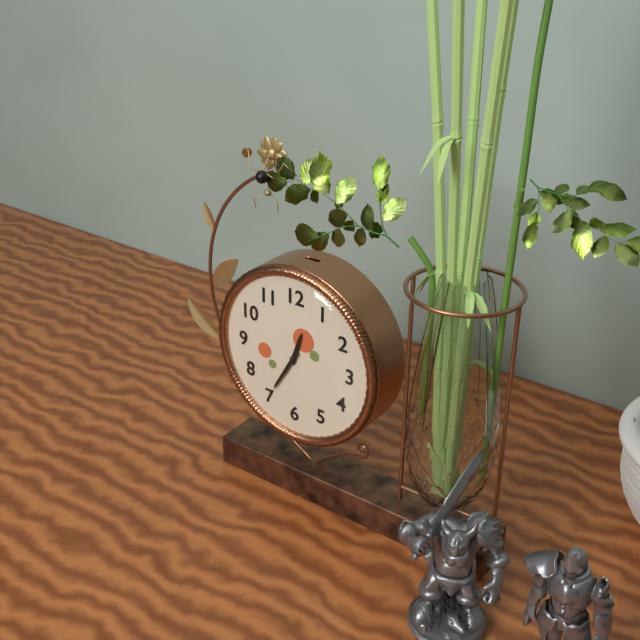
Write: 12,35
